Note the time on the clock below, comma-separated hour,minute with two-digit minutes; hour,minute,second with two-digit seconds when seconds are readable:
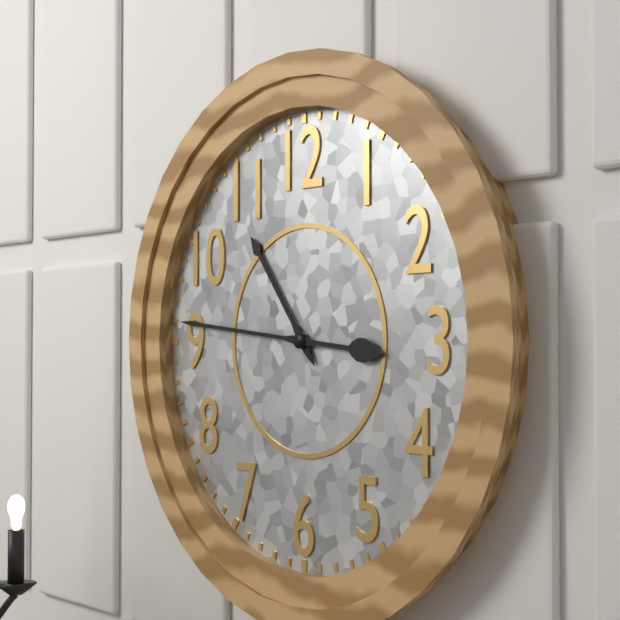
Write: 10,46
